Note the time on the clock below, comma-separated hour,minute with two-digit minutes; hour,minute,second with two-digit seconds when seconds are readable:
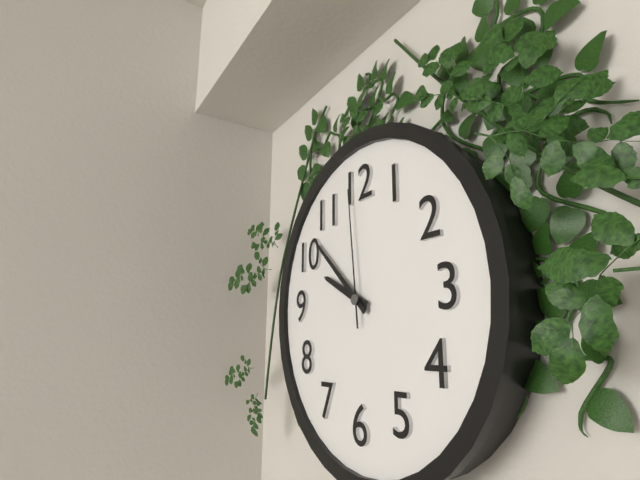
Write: 9,52,59
